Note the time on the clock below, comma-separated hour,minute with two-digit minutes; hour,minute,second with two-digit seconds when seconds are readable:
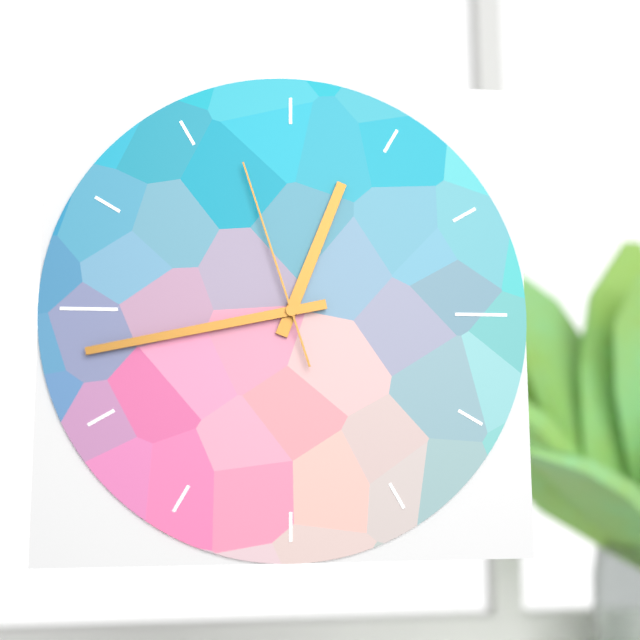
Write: 12,43,57
